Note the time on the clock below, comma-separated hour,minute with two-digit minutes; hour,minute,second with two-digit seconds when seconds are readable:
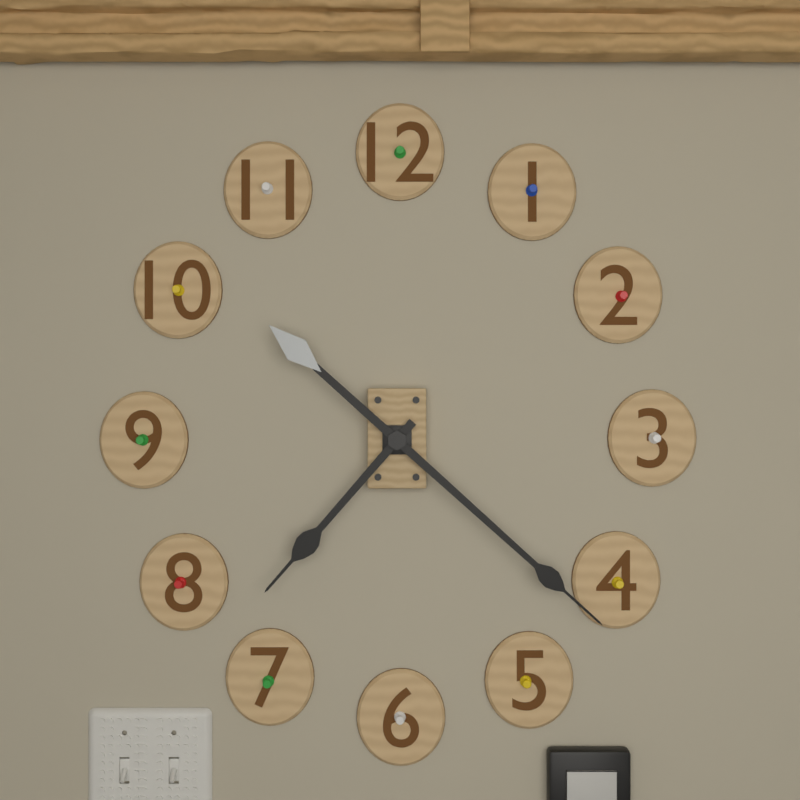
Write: 7,22
